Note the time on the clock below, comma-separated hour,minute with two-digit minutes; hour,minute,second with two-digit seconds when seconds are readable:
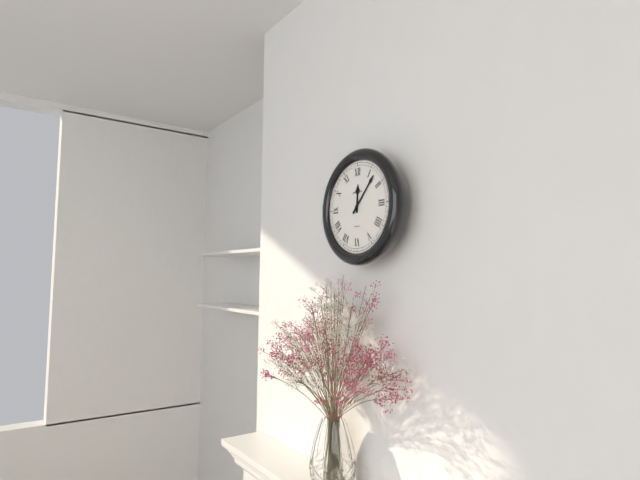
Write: 12,07
